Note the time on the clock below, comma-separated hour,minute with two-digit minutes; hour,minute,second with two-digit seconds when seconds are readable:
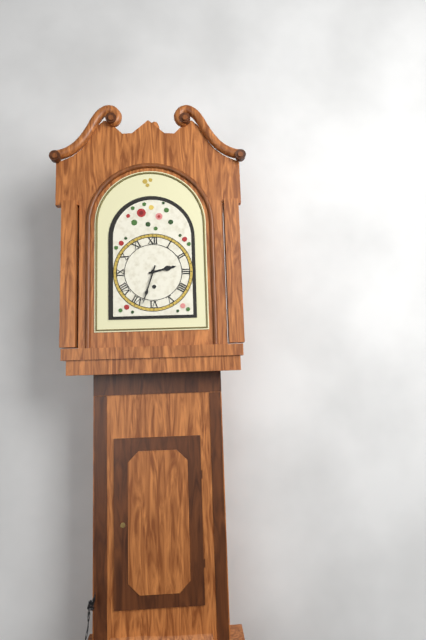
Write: 2,33
